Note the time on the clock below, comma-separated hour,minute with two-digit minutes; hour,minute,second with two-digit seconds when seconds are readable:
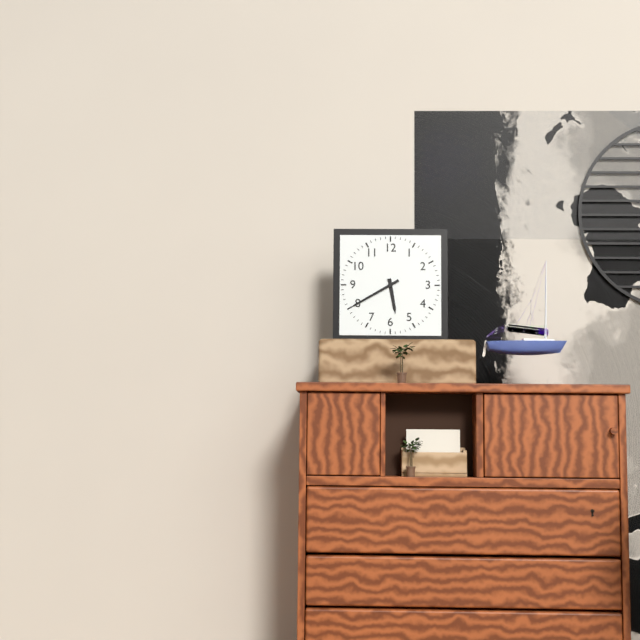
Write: 5,40
